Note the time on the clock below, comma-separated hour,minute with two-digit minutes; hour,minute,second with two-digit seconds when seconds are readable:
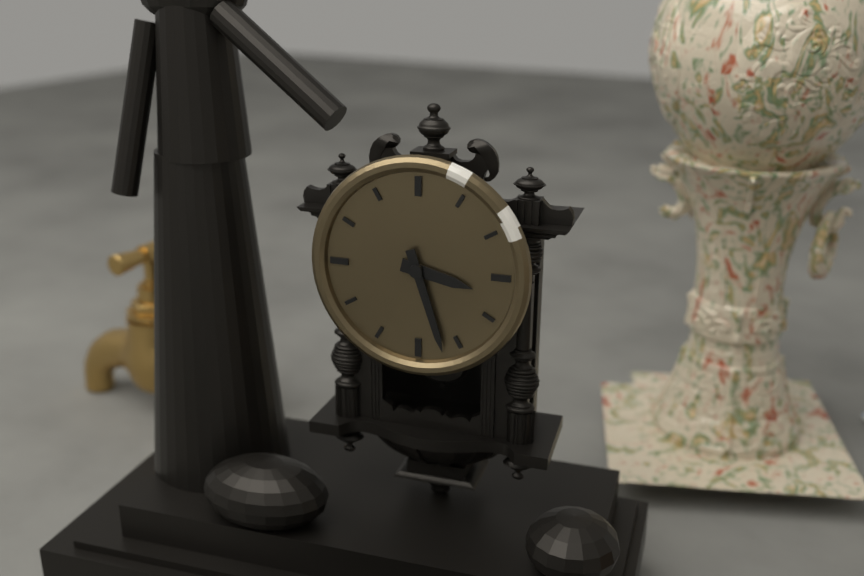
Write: 3,27
